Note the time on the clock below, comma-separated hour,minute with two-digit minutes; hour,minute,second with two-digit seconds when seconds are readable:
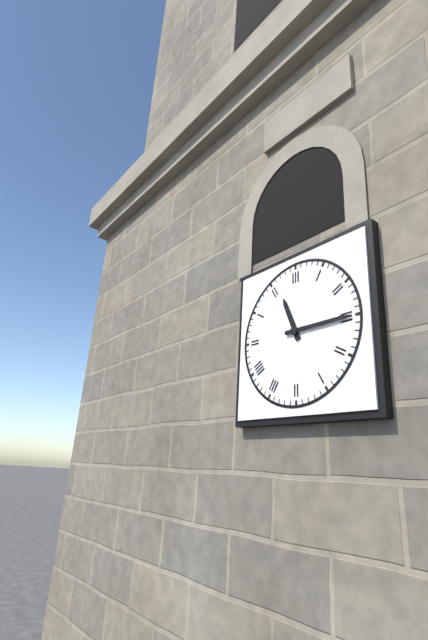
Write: 11,15
